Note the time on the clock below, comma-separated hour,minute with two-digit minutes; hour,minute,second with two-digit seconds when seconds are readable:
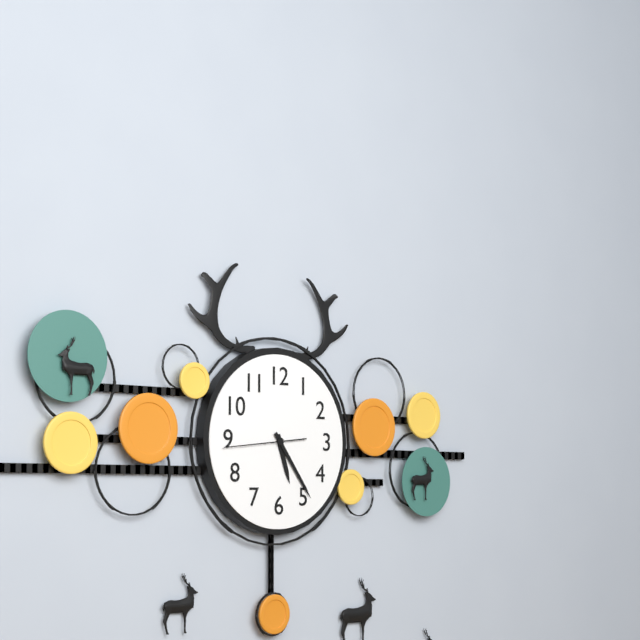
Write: 5,24,44
